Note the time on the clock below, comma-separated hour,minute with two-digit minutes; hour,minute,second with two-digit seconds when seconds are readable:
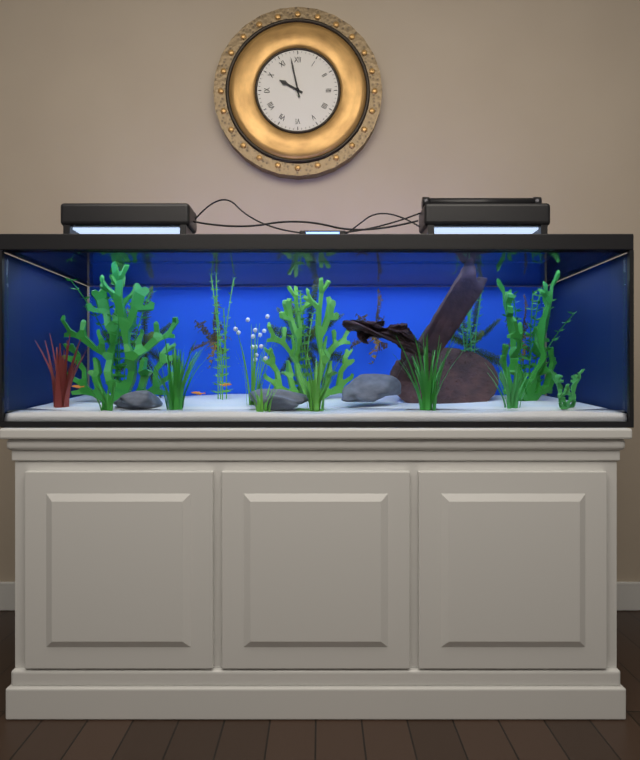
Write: 9,58
